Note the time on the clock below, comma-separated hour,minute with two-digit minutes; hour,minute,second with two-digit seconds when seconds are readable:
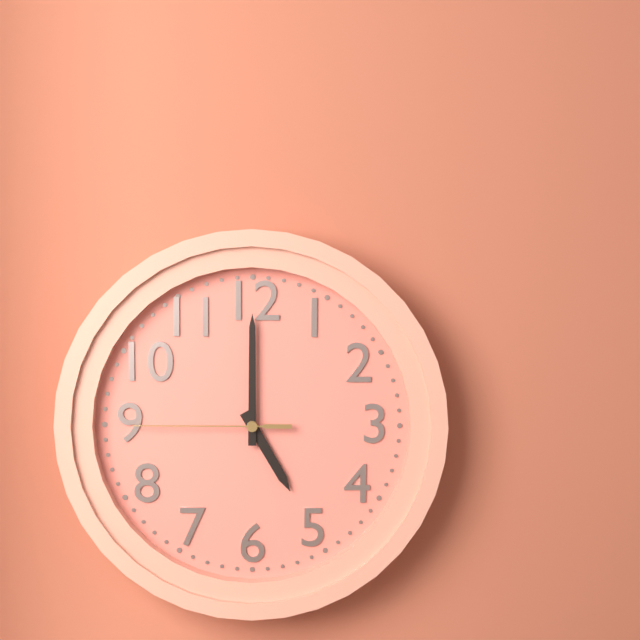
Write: 5,00,45
